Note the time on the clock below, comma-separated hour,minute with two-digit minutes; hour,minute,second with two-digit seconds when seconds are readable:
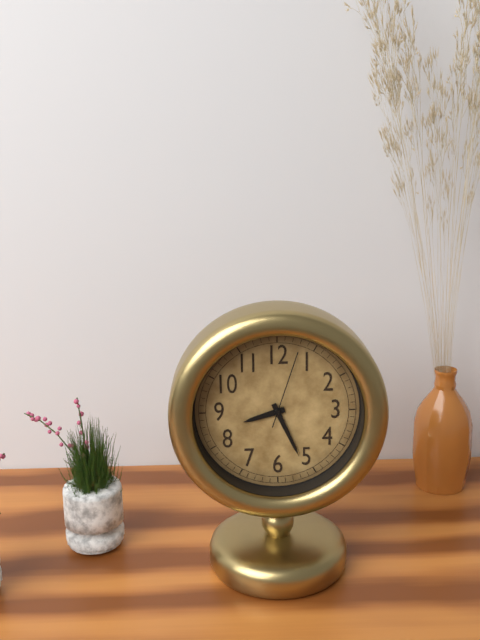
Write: 8,26,03
